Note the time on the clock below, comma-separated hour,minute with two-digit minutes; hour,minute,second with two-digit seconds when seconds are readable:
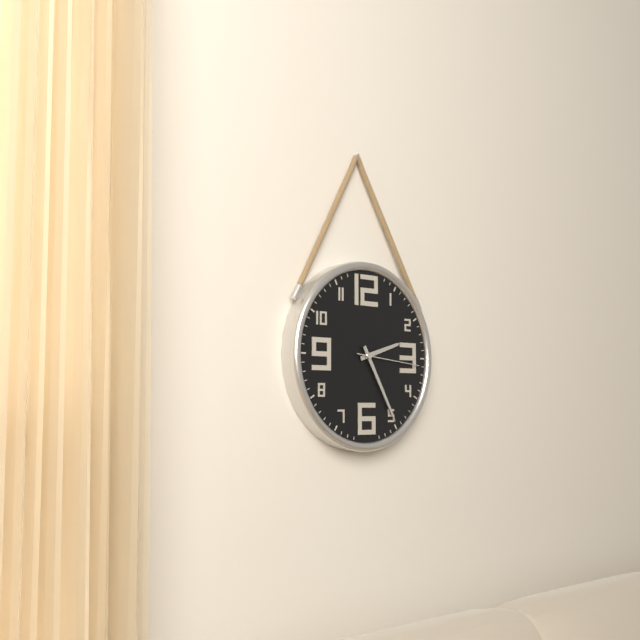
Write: 2,25,16
